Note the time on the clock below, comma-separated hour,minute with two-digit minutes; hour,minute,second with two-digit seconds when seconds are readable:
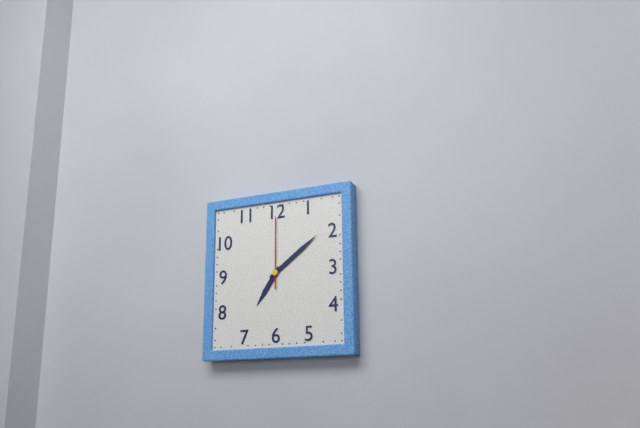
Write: 7,09,00
